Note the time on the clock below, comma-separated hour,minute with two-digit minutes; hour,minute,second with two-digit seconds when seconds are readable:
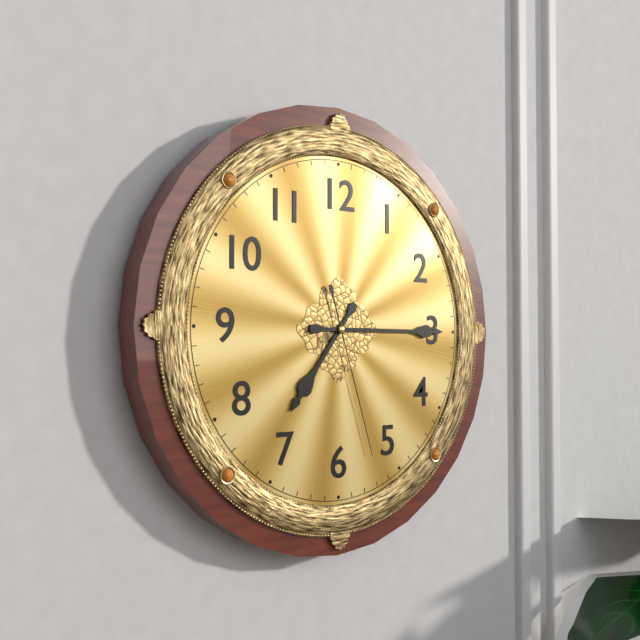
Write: 7,15,27
